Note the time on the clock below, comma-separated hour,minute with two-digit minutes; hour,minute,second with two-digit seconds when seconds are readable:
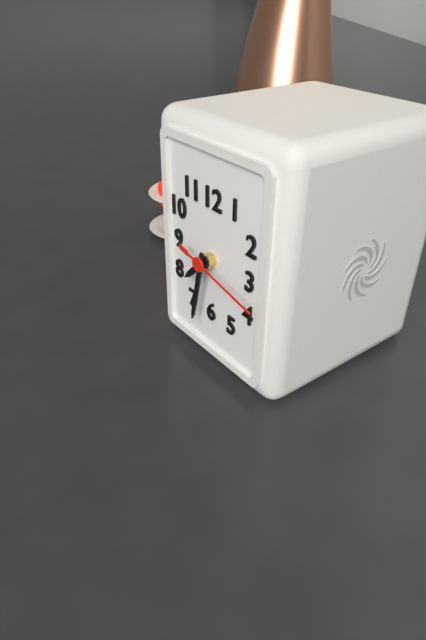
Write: 7,32,17
